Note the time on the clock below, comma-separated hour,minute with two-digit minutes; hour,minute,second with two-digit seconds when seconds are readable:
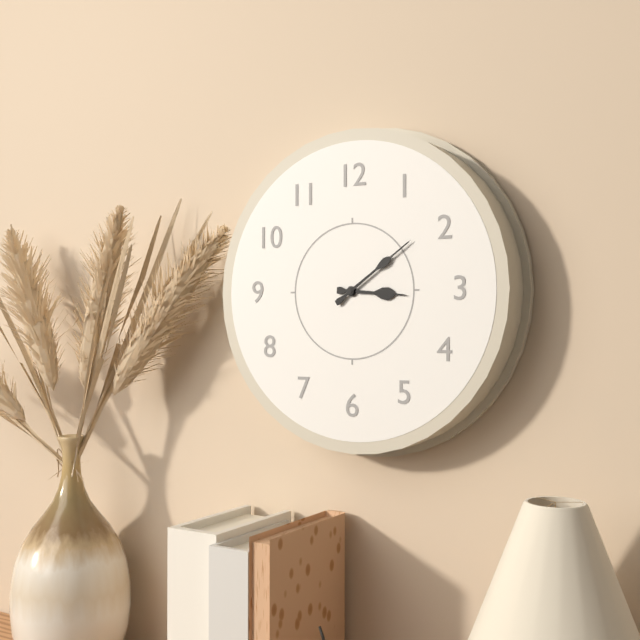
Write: 3,09
